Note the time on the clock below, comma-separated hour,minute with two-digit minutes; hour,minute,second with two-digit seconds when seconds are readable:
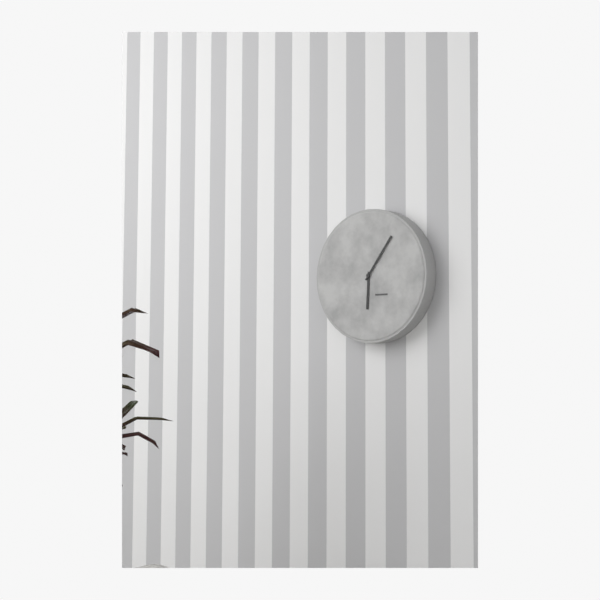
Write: 6,06
